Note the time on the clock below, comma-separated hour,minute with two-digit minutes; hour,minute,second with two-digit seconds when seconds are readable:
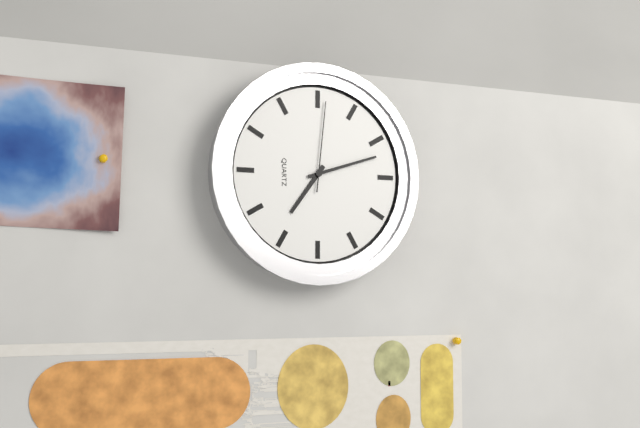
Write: 7,12,01
